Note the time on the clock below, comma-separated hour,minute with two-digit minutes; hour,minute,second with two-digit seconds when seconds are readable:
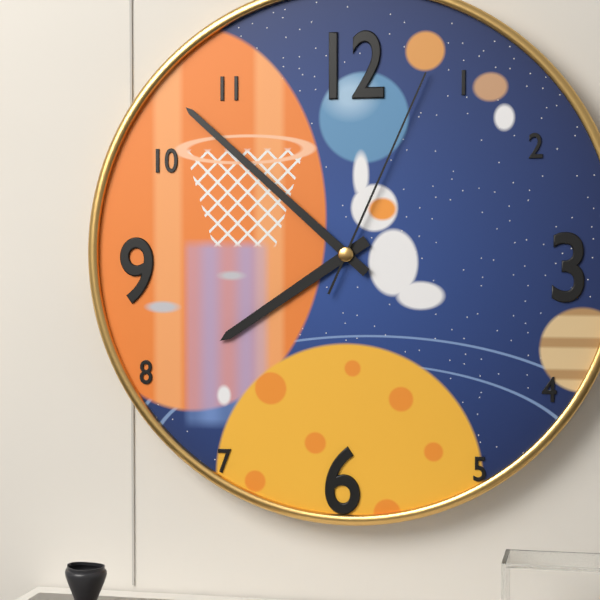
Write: 7,52,04
